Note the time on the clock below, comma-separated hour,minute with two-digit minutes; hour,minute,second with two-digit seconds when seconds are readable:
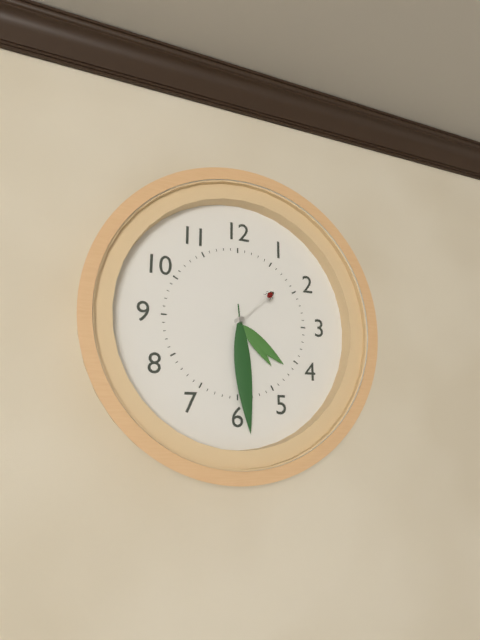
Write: 4,29,08
